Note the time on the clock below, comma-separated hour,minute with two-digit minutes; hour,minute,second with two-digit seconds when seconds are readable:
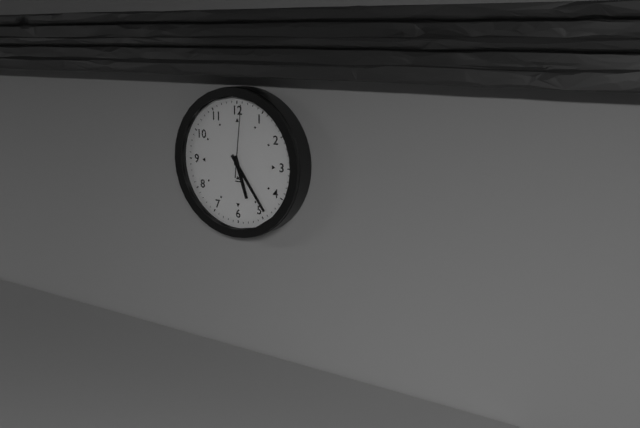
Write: 5,24,01
